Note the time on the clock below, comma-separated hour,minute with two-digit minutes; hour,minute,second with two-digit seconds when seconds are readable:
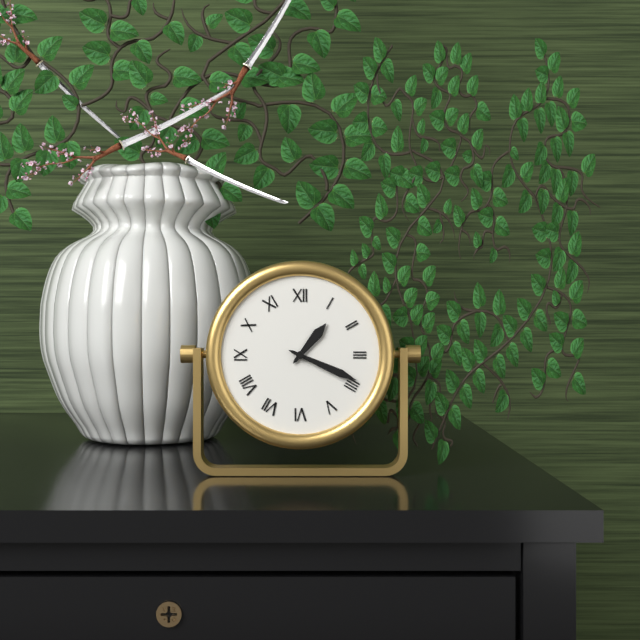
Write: 1,19
